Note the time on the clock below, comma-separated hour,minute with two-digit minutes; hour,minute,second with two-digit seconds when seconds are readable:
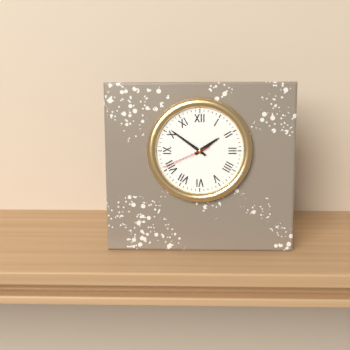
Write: 1,51
